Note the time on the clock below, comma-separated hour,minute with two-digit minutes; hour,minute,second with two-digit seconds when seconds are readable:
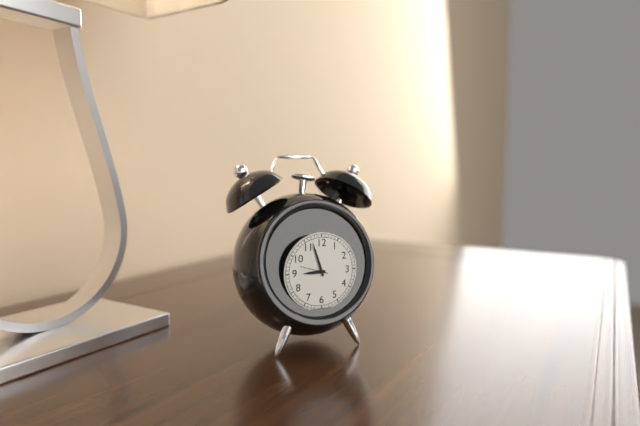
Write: 8,57
